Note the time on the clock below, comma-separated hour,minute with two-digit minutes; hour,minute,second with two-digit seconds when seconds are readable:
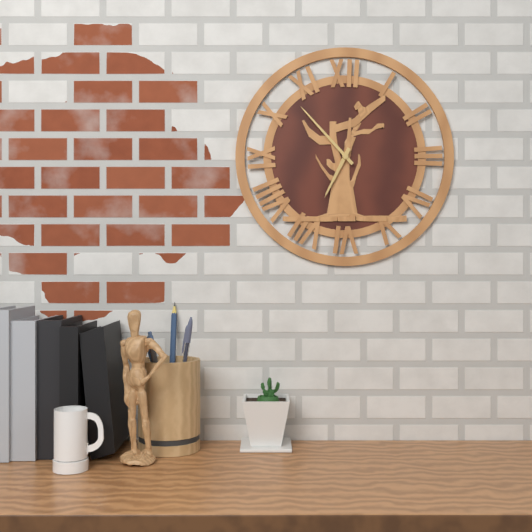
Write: 6,53
